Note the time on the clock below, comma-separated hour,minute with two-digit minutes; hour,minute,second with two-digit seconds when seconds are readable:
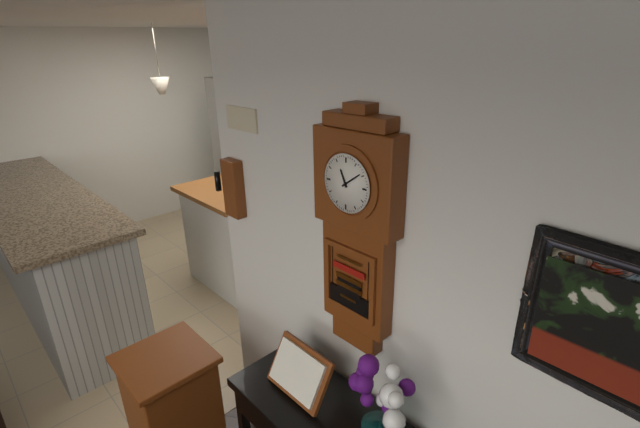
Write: 11,09
